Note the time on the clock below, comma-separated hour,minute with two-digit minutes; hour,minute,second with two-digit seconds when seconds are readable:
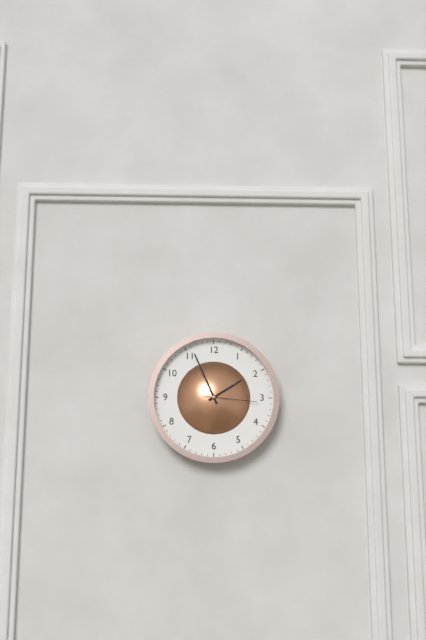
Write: 1,56,16
